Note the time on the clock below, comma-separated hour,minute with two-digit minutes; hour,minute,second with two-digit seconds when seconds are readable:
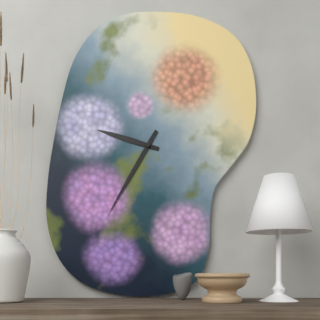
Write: 9,35
